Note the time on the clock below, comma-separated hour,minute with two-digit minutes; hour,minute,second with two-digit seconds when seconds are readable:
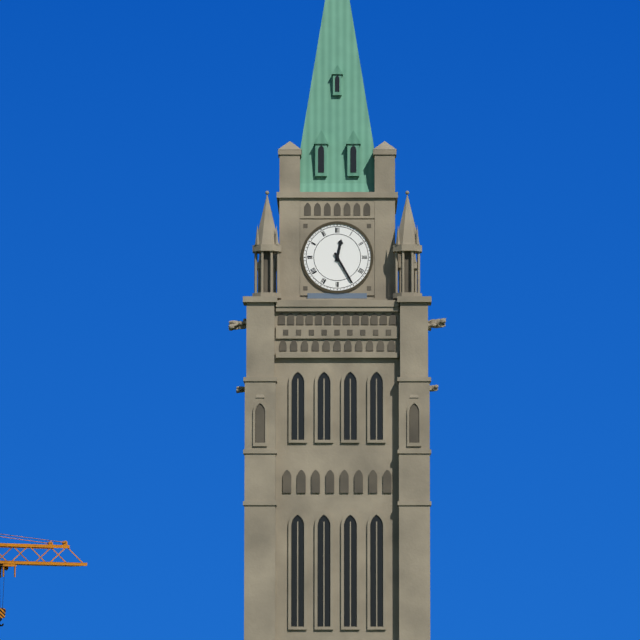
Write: 12,25
